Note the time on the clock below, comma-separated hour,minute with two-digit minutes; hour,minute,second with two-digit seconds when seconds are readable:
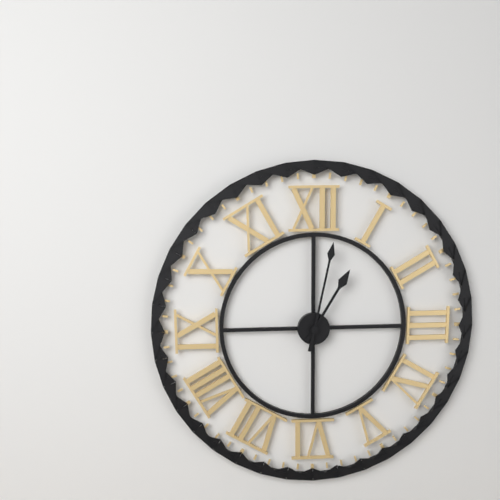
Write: 1,02
